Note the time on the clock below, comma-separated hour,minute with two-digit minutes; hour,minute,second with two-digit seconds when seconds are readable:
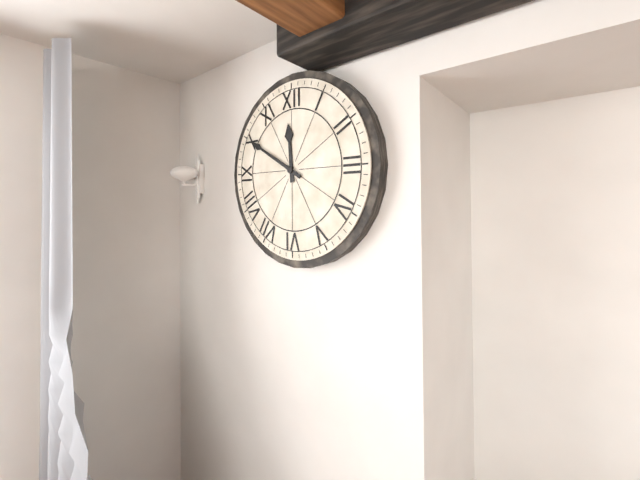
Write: 11,50
